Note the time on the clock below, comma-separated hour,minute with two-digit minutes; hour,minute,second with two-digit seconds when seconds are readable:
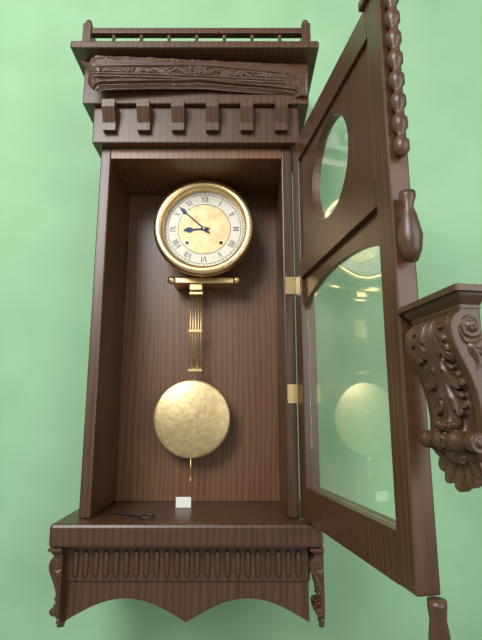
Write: 8,52
